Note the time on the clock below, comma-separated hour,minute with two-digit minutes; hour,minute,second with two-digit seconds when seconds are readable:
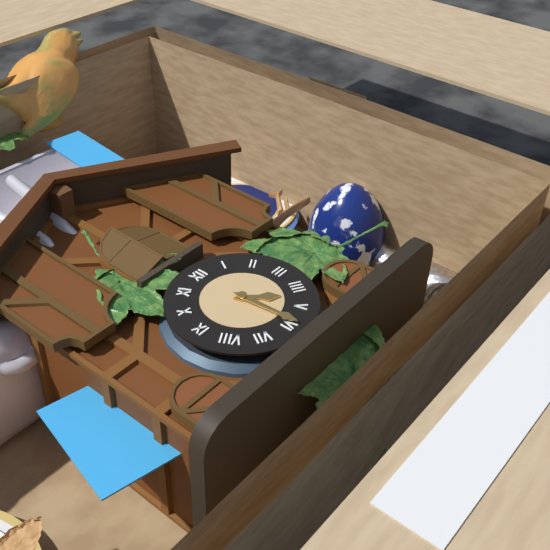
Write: 4,29
